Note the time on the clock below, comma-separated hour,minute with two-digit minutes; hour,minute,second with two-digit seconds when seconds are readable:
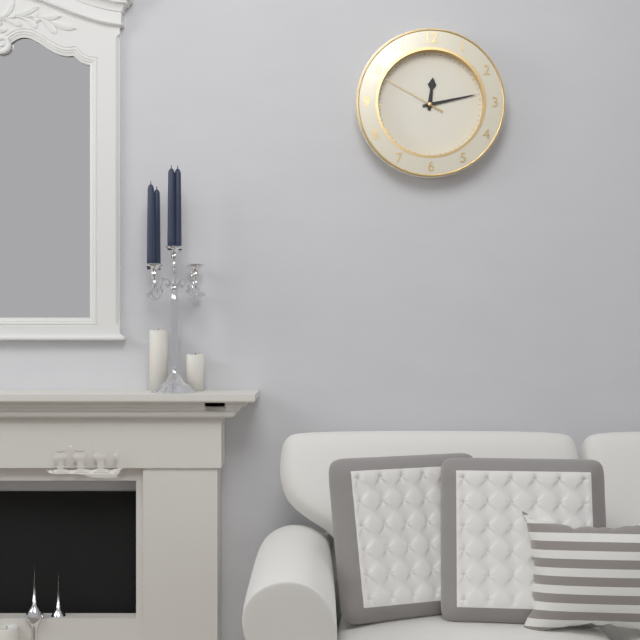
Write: 12,13,50
